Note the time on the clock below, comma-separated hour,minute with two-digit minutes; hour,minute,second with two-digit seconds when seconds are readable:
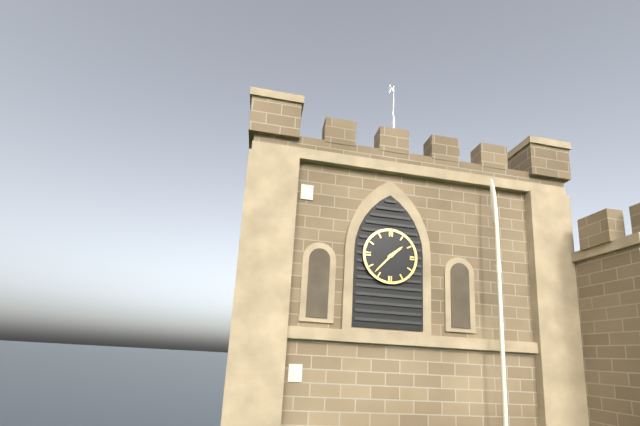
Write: 1,37
